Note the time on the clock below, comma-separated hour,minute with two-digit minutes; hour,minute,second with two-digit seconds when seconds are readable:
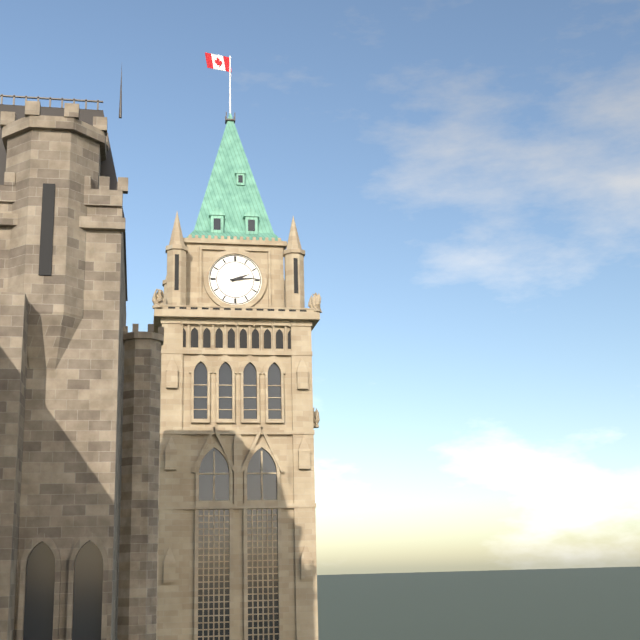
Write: 2,14
